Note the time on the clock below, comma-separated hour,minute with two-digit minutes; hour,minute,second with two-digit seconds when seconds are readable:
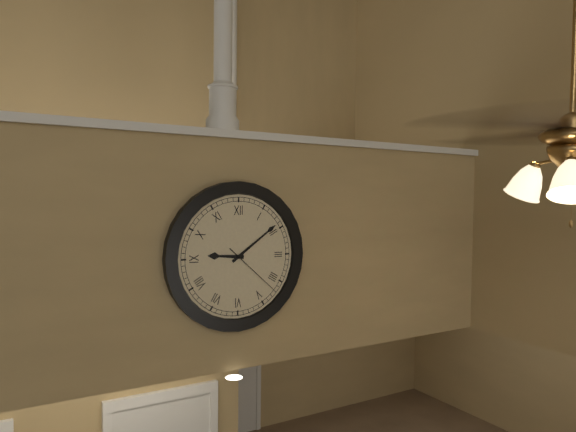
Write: 9,09,22
